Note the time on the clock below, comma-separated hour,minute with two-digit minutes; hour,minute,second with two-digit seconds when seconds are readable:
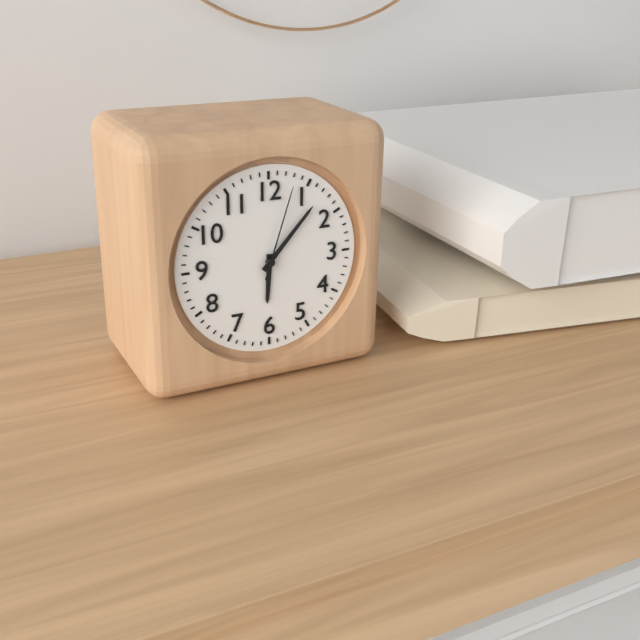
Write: 6,07,03
